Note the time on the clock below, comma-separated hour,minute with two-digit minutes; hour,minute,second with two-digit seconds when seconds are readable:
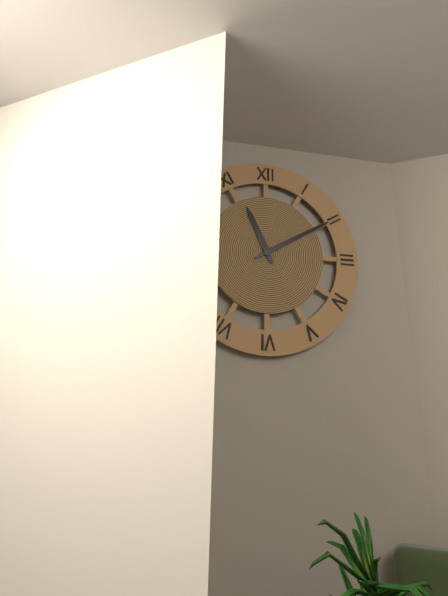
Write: 11,10
